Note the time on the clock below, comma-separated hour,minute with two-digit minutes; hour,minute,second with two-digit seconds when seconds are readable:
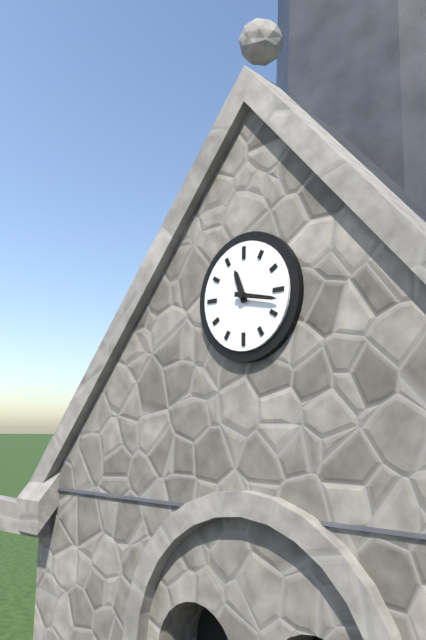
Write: 11,17
